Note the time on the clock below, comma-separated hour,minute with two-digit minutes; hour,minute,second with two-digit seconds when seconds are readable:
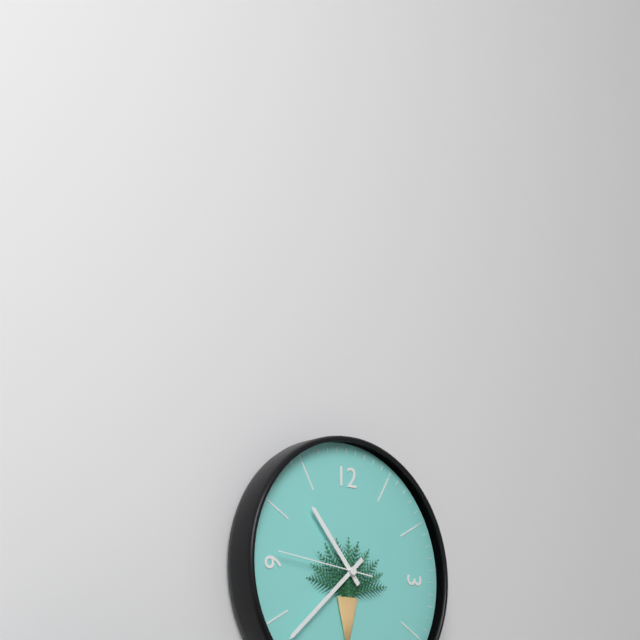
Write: 10,38,46
